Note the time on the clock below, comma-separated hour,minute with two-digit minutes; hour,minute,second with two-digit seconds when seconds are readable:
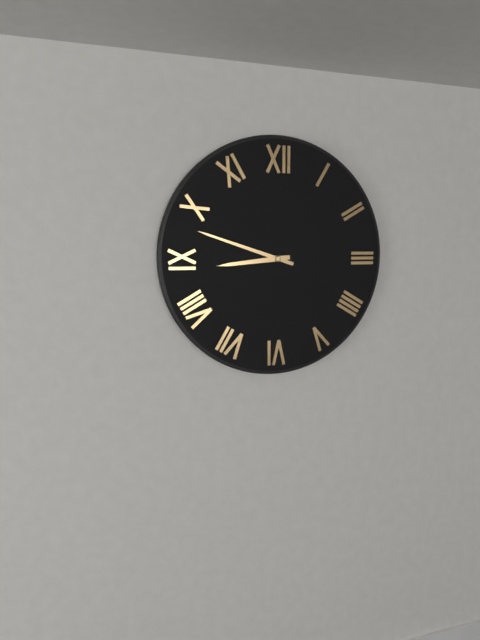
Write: 8,48
